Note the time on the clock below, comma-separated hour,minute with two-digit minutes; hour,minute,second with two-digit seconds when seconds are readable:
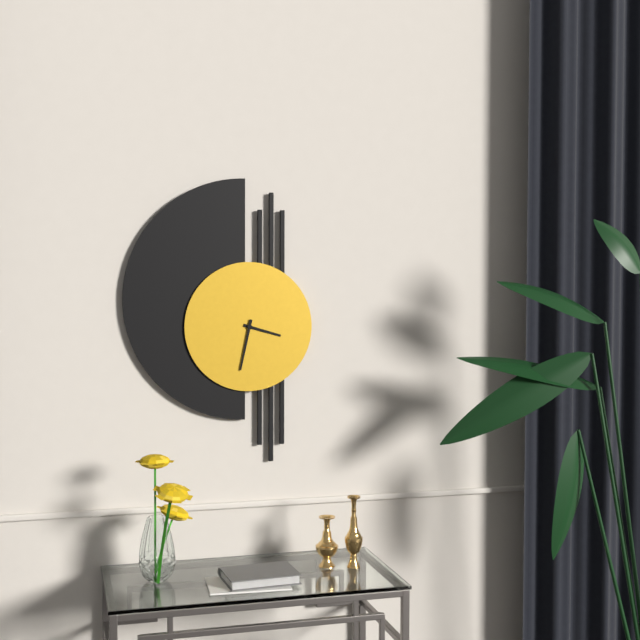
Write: 3,32
